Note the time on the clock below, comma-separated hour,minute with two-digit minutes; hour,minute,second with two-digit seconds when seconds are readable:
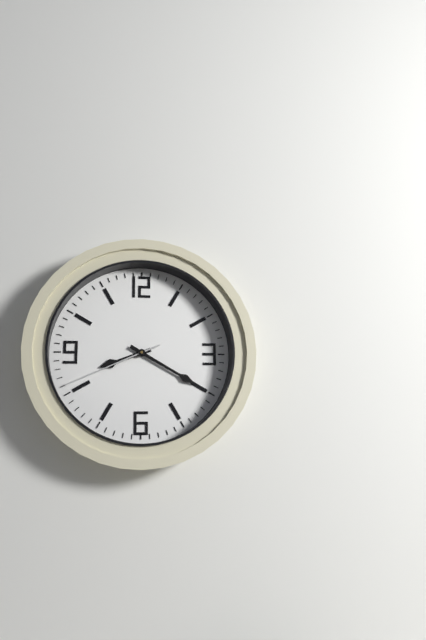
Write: 8,20,41
